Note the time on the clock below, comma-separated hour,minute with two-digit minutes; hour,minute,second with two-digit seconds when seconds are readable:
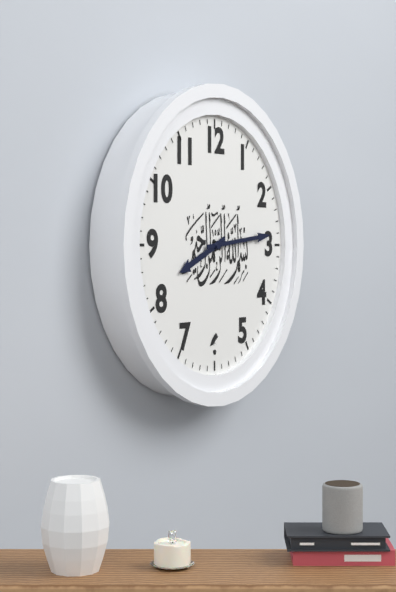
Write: 8,14
